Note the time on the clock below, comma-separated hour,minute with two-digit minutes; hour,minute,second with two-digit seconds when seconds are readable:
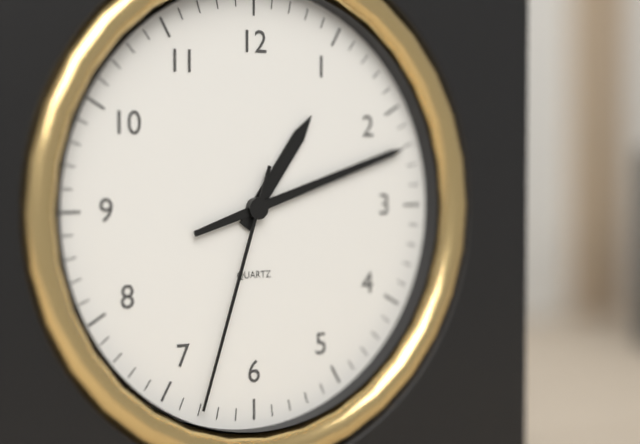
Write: 1,12,33
